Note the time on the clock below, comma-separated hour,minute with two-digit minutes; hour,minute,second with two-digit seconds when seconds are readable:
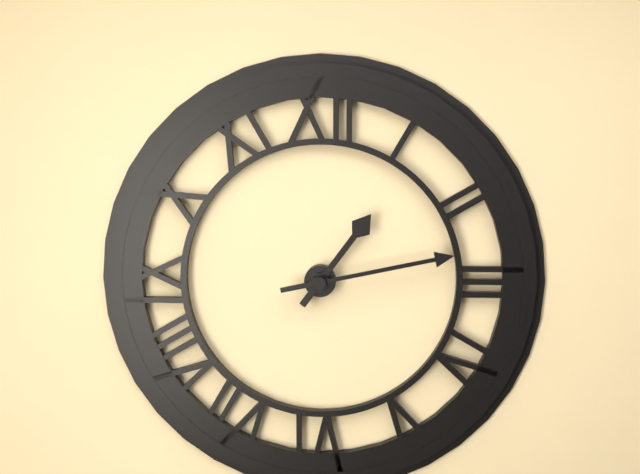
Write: 1,13
